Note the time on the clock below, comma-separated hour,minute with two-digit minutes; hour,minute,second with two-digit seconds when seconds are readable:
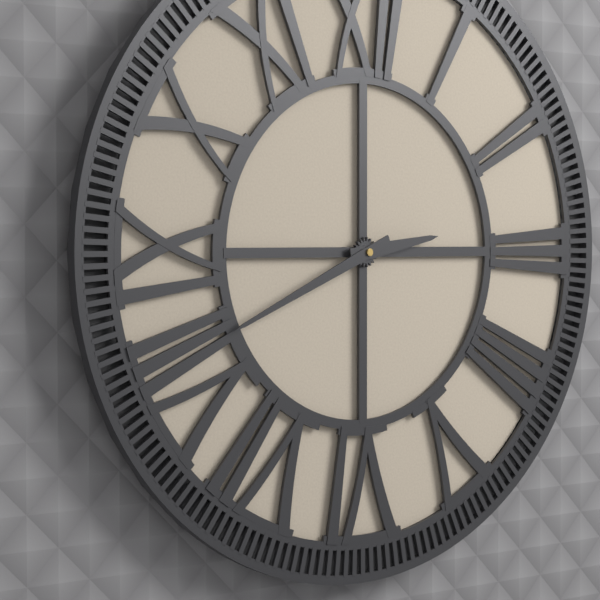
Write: 2,41
